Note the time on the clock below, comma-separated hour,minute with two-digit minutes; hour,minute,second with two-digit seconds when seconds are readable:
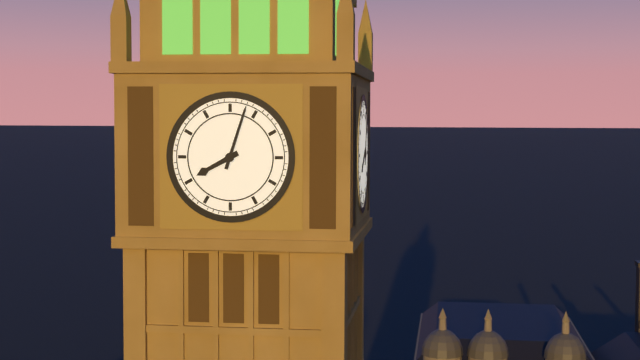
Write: 8,03
